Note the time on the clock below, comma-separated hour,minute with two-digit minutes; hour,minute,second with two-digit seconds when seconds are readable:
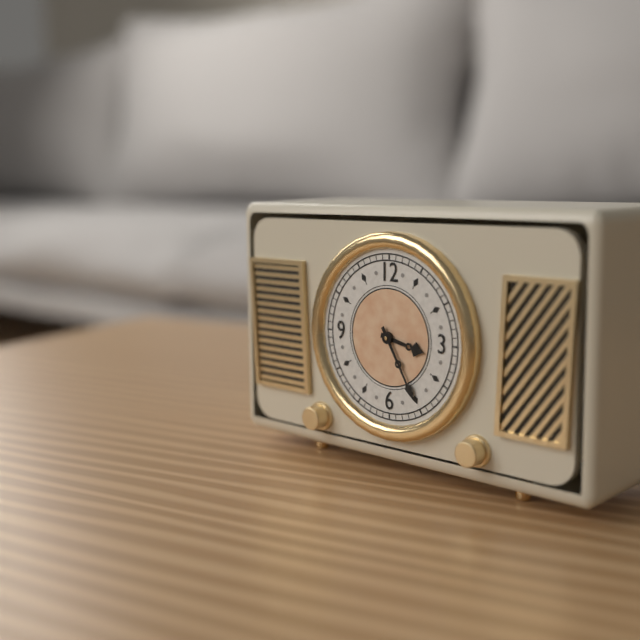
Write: 3,25
